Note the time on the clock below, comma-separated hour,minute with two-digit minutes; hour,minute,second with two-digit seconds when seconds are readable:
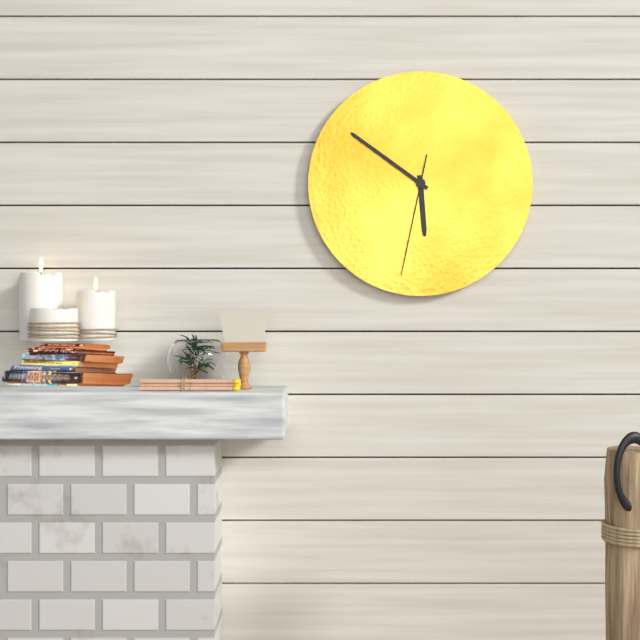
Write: 5,51,32
